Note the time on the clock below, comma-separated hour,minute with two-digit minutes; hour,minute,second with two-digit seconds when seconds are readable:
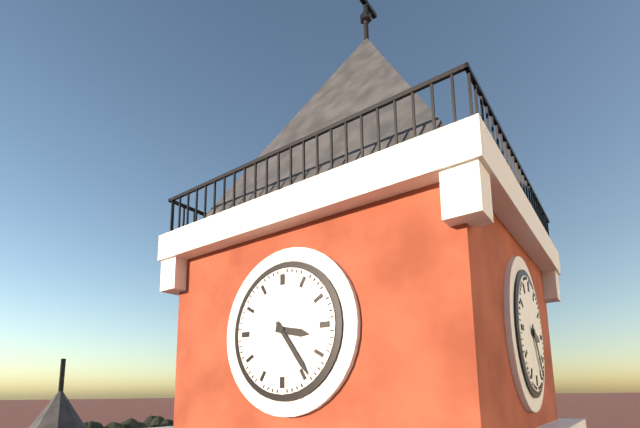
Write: 3,24
